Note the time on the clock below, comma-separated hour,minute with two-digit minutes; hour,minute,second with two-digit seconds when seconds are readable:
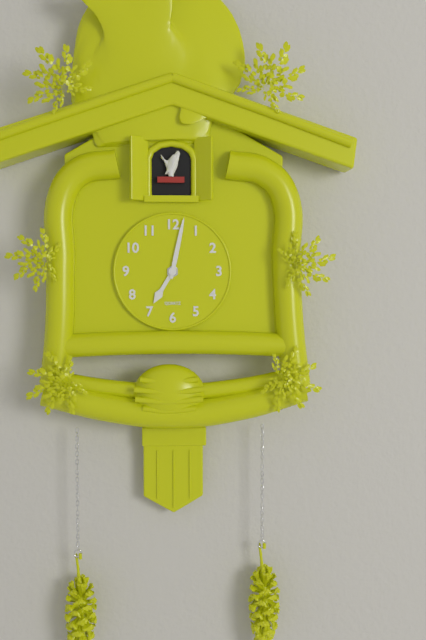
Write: 7,02
